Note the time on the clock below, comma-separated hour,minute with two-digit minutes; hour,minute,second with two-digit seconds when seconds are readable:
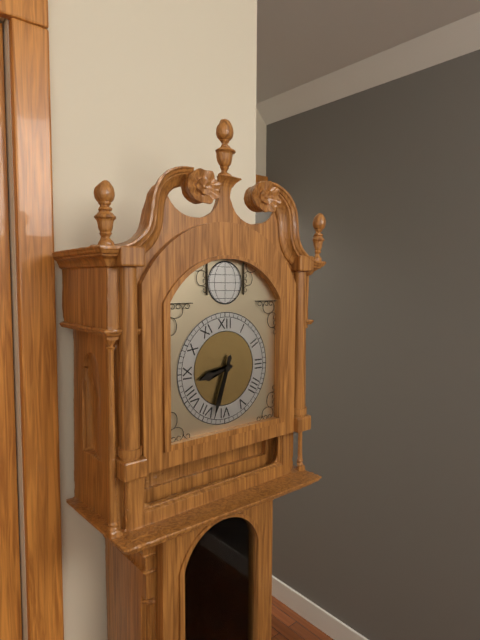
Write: 8,33
